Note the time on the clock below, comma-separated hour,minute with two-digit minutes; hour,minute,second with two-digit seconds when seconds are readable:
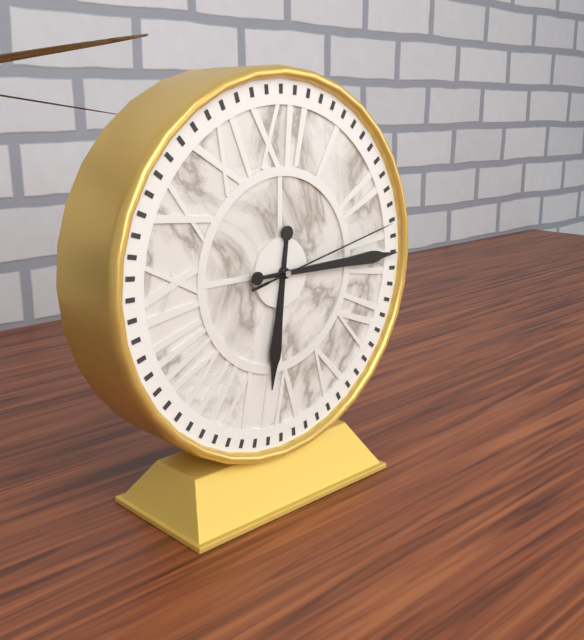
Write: 6,15,13
